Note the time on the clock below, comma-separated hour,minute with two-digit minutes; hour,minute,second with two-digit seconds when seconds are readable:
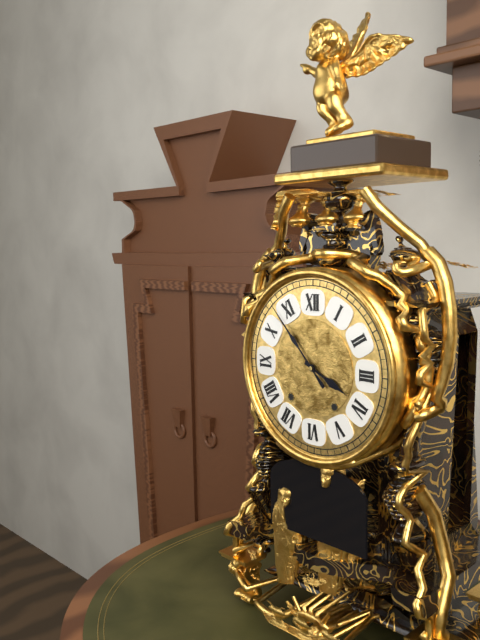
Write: 3,53
